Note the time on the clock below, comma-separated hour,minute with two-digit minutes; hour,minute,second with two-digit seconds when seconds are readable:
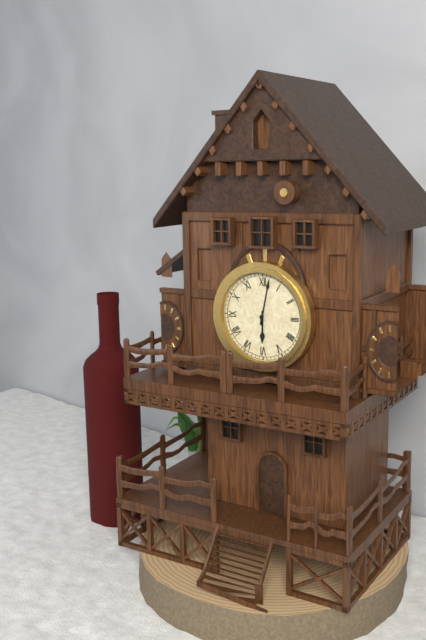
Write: 6,02
